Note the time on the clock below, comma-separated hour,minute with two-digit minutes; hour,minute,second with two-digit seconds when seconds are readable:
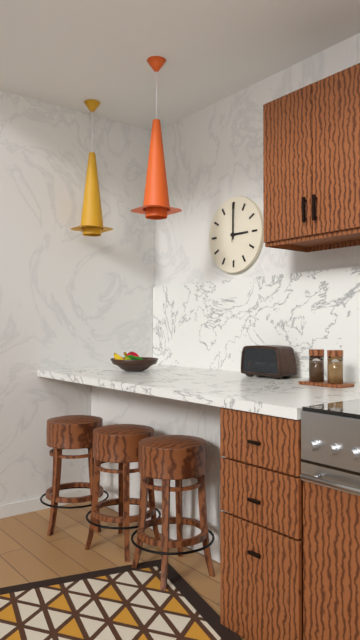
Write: 3,00
